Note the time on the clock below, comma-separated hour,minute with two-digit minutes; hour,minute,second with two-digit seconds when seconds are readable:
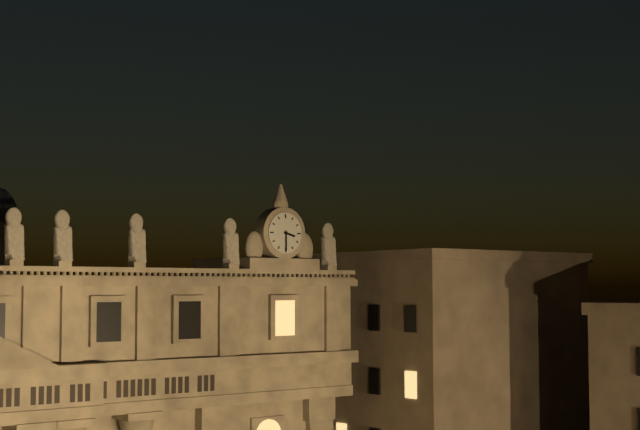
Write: 3,30
